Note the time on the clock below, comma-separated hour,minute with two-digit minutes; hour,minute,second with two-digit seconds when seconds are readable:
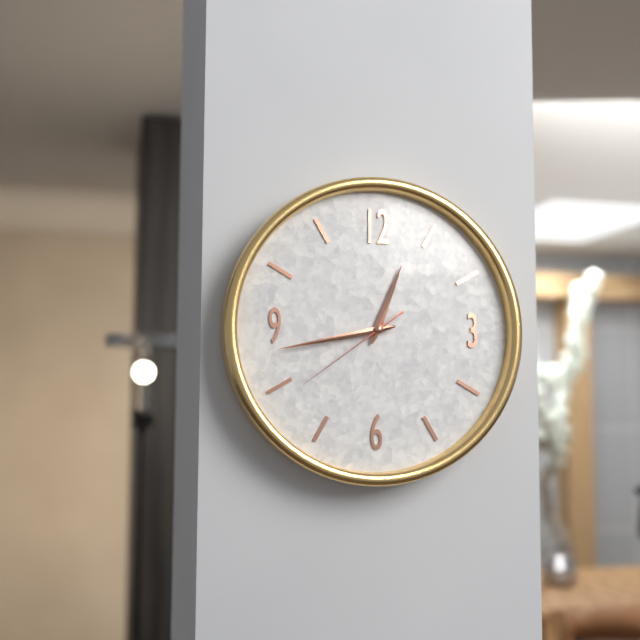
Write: 12,43,39
